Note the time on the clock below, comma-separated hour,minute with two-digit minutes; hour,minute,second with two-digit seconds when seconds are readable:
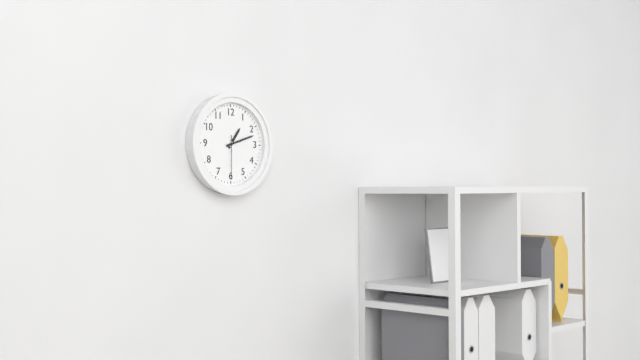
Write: 1,12
